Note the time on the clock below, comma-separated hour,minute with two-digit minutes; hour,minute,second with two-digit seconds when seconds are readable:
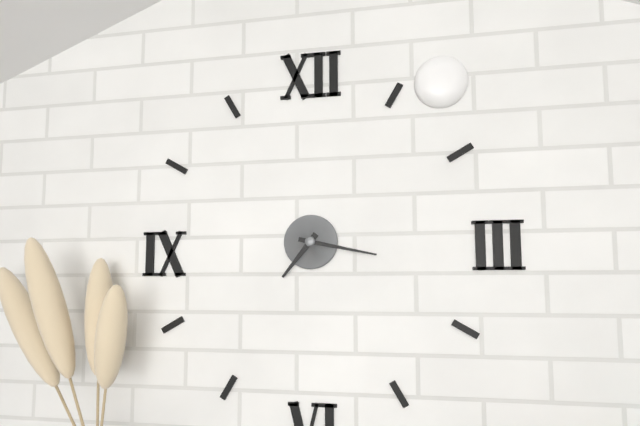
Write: 7,17
